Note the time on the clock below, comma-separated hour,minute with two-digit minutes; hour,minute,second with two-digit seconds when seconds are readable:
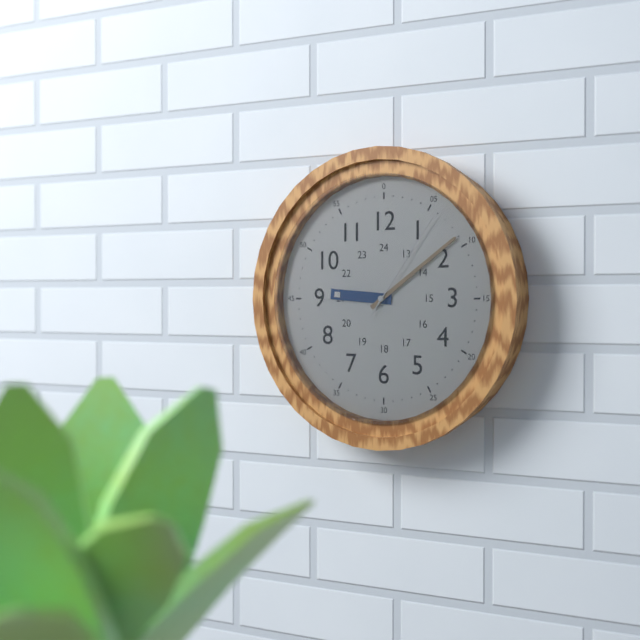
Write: 9,09,06
